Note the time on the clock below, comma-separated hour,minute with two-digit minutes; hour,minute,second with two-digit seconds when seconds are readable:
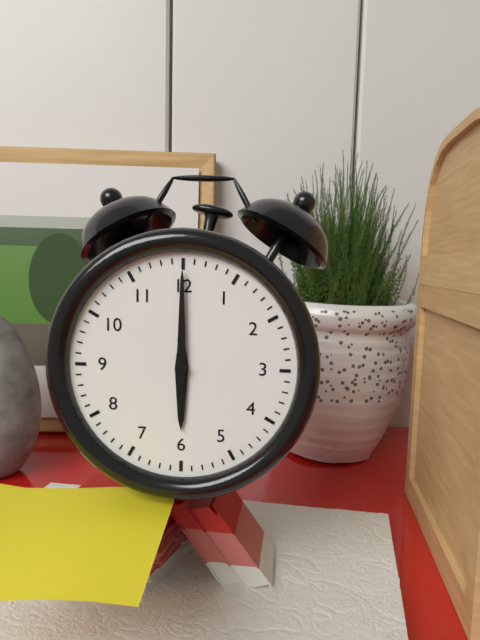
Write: 6,00
